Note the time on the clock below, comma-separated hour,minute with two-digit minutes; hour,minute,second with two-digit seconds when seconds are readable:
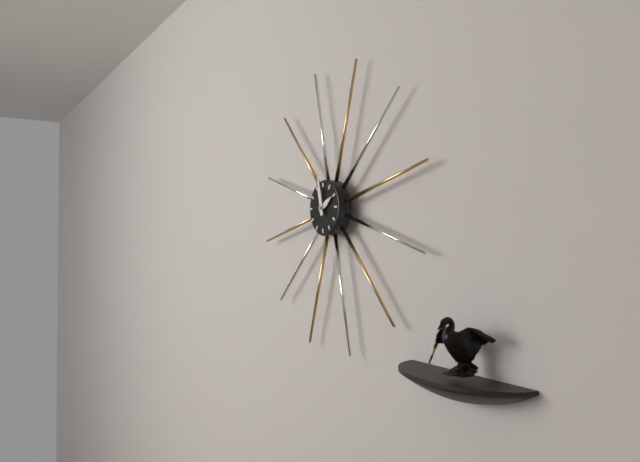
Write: 1,58
